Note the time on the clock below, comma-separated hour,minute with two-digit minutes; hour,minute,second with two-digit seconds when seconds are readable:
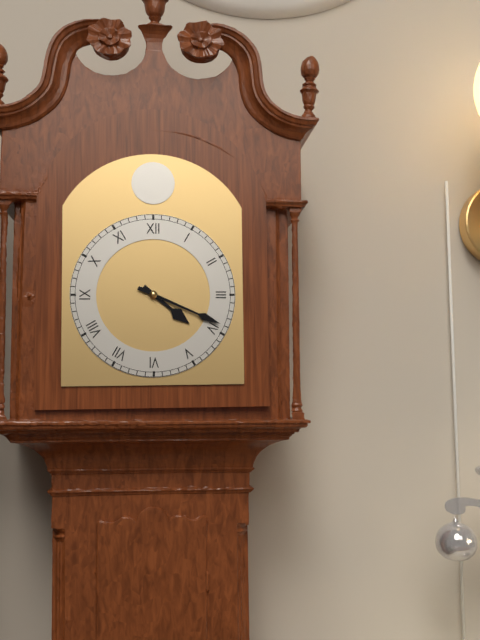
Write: 4,19
